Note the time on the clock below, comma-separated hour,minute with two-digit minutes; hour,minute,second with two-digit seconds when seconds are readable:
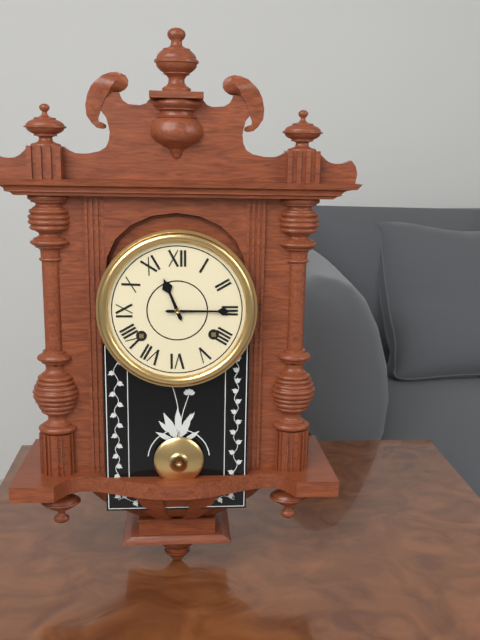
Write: 11,15
